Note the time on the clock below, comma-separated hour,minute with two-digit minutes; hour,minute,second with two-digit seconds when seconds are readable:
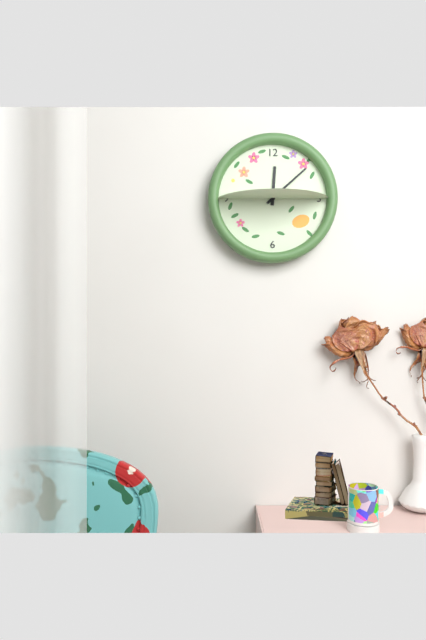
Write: 12,08
